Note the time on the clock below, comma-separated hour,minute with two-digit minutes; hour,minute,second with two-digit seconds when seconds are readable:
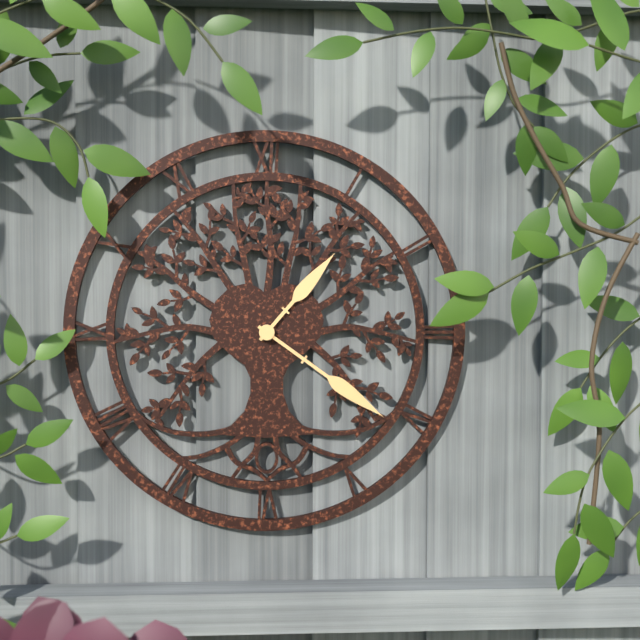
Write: 1,21
